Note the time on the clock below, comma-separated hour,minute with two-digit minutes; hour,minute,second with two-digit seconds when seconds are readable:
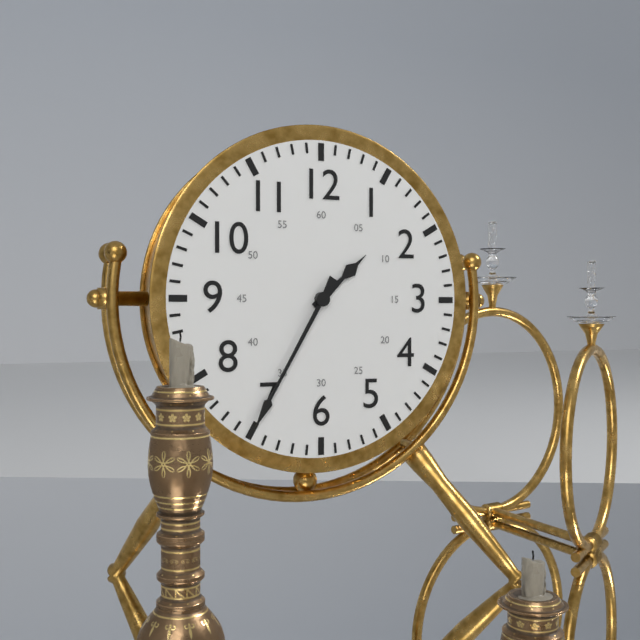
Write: 1,35
